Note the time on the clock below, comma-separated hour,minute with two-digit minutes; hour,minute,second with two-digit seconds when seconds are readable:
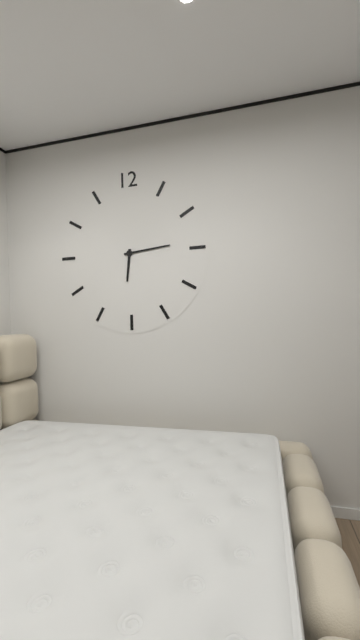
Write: 6,14
